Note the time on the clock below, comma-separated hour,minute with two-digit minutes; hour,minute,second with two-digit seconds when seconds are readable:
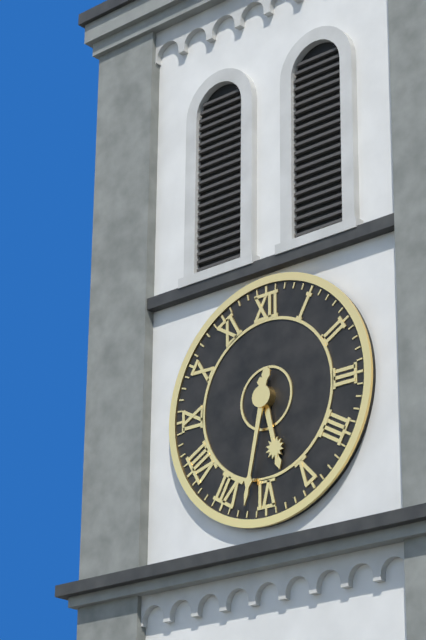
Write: 5,32
